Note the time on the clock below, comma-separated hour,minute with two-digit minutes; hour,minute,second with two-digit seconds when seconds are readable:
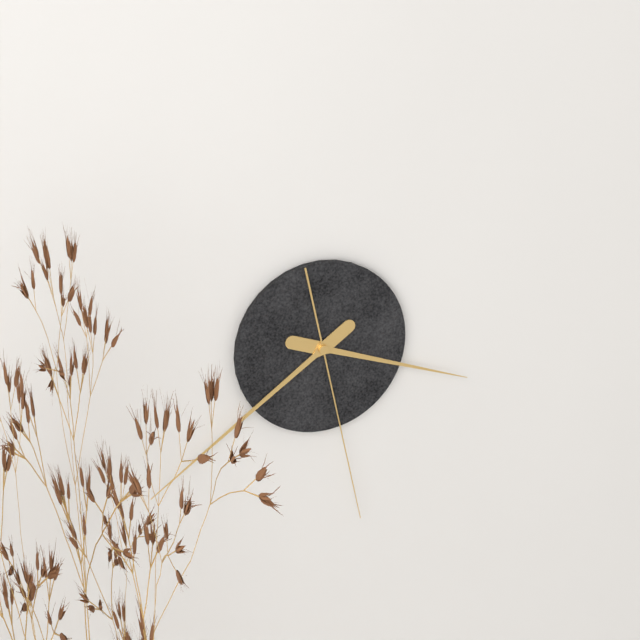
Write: 3,39,28
